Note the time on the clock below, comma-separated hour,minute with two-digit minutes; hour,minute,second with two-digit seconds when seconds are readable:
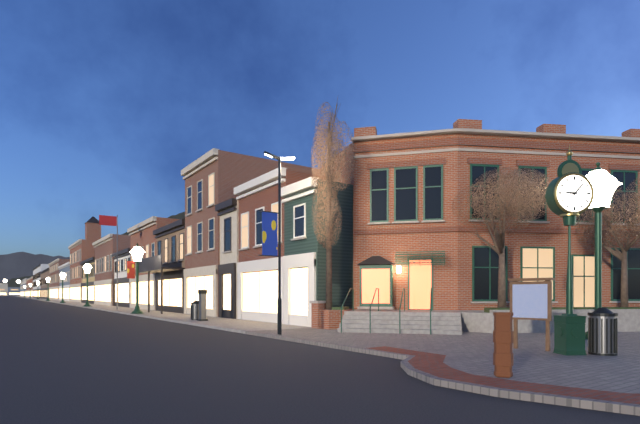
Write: 9,07
